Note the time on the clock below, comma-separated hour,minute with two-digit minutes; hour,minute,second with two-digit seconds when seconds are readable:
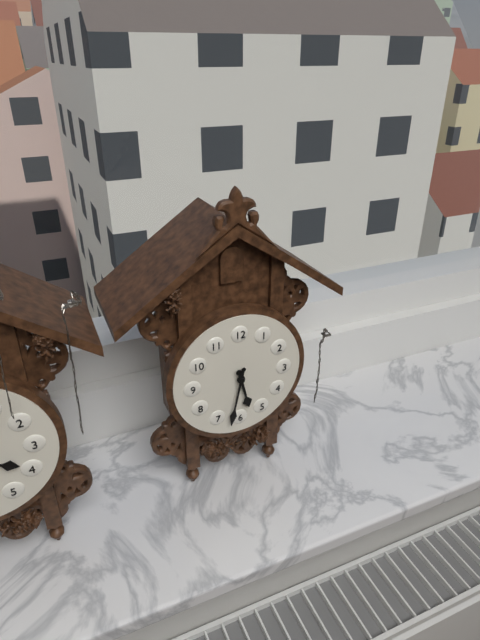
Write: 5,32
